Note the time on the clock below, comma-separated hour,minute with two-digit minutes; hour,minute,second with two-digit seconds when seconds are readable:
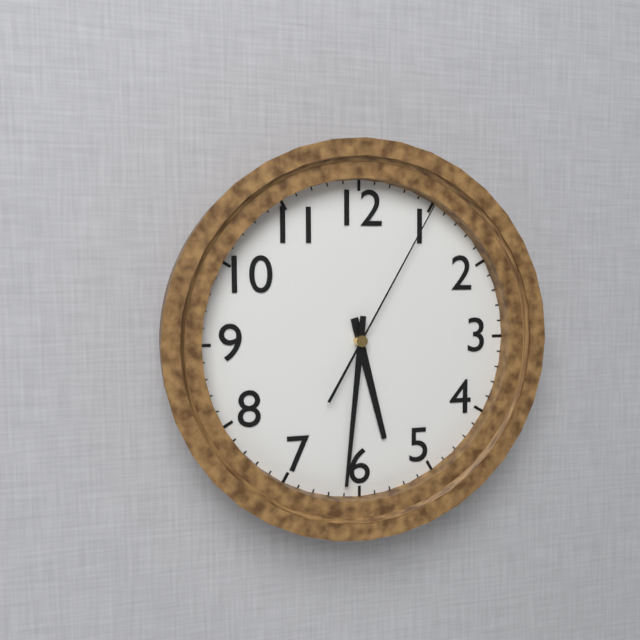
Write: 5,31,05
